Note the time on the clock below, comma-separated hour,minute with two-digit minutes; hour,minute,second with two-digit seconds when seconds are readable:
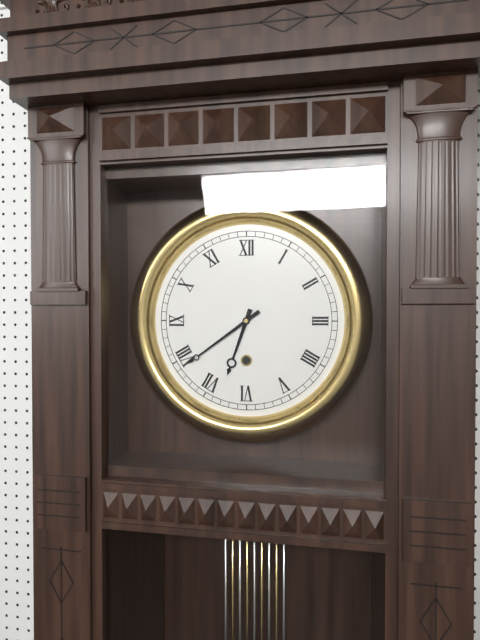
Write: 6,39
